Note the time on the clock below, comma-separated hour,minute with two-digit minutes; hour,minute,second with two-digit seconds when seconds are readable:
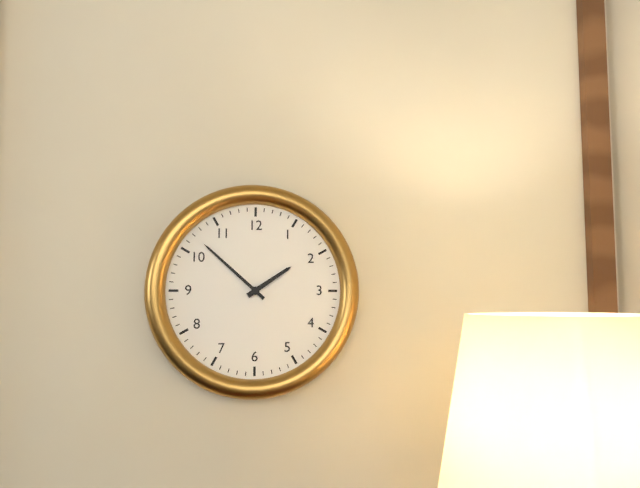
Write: 1,52
